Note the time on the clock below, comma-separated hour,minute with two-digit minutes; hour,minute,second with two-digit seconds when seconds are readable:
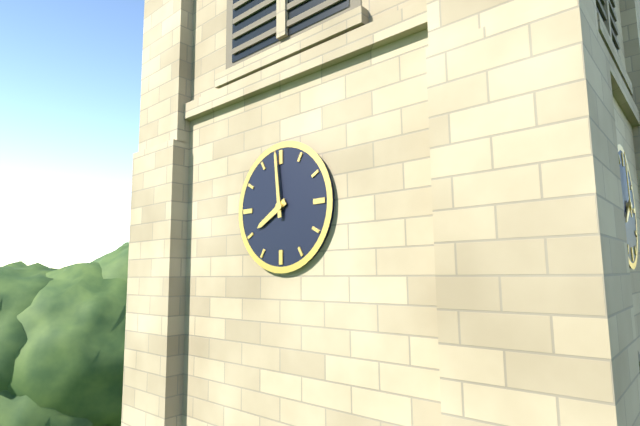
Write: 7,59
